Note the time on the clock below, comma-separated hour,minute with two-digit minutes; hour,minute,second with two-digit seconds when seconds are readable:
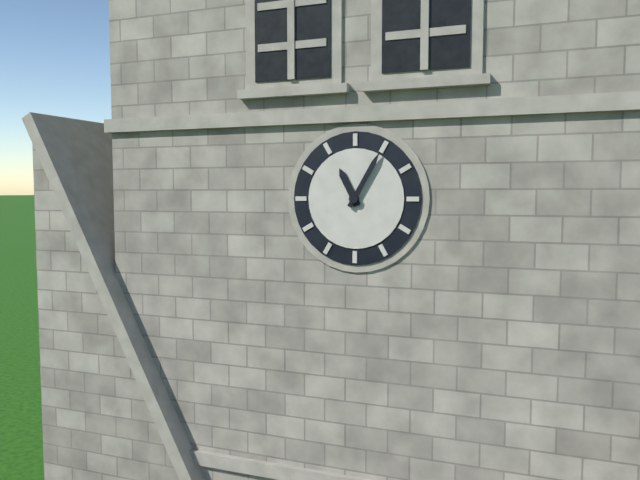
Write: 11,05
